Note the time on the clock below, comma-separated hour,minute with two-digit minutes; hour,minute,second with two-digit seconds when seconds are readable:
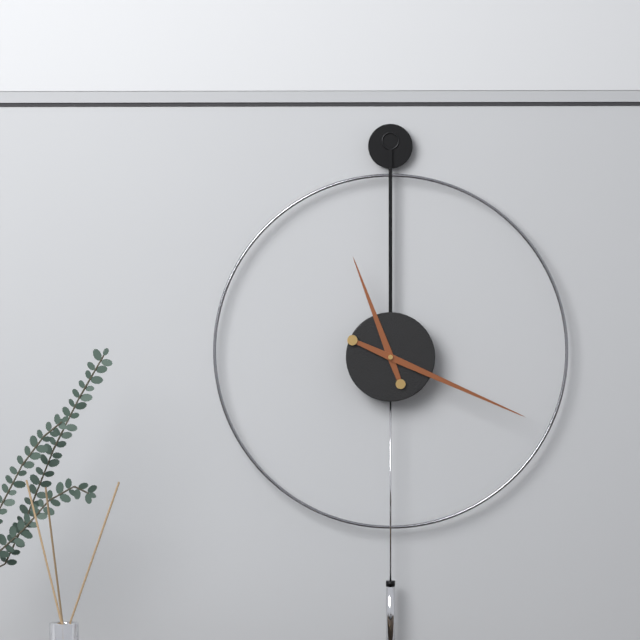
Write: 11,19
